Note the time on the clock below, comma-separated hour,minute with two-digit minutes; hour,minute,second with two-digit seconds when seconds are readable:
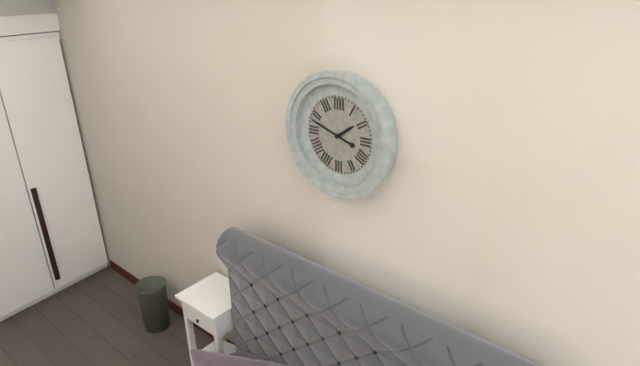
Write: 1,48
